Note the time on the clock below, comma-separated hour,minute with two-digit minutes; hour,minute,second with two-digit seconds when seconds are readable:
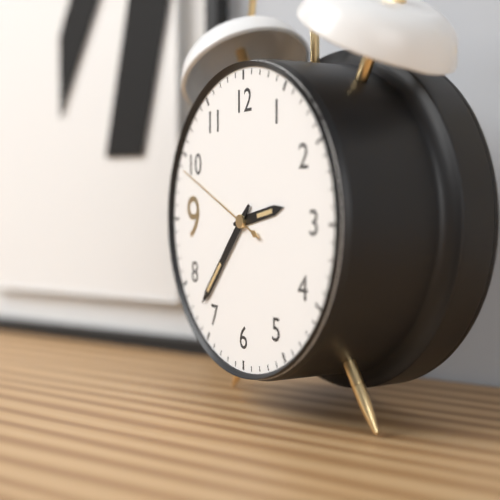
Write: 2,37,49
